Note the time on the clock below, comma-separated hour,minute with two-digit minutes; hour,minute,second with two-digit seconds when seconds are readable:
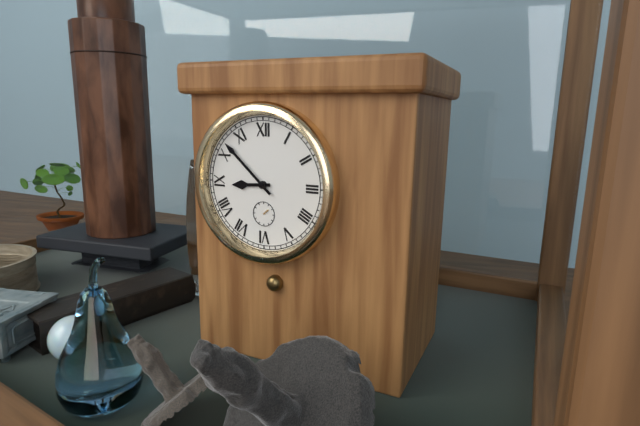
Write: 8,52
